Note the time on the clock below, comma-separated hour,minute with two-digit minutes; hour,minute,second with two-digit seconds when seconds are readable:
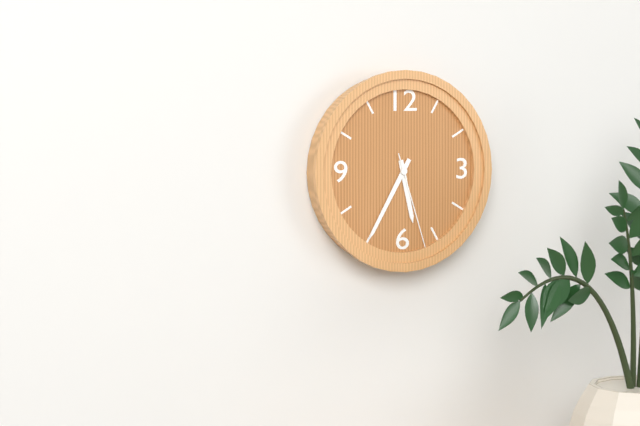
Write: 5,35,27
